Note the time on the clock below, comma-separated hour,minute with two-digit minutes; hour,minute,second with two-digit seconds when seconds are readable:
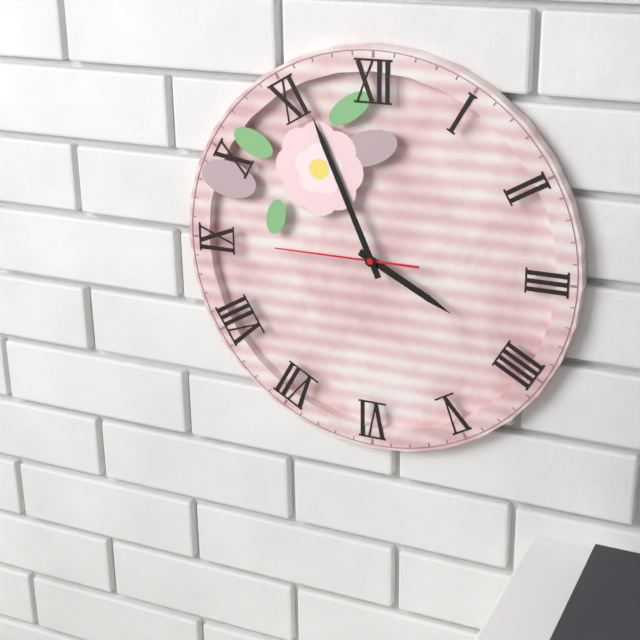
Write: 3,56,45
